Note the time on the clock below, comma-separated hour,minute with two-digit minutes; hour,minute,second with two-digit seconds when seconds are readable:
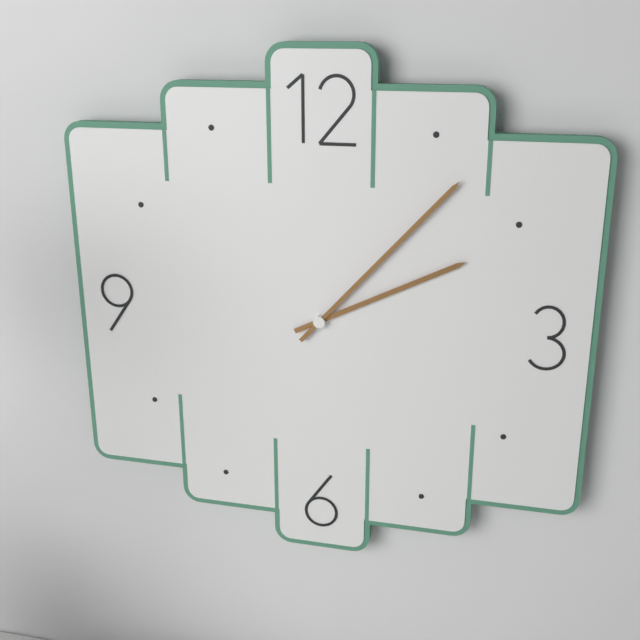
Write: 2,07
